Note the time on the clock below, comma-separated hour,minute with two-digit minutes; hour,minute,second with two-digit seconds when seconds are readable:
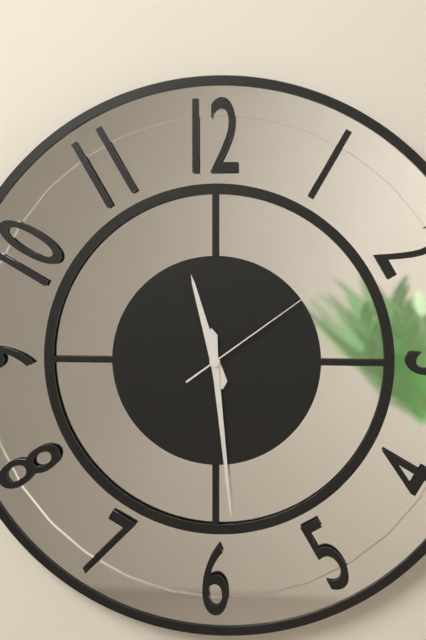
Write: 11,29,09
